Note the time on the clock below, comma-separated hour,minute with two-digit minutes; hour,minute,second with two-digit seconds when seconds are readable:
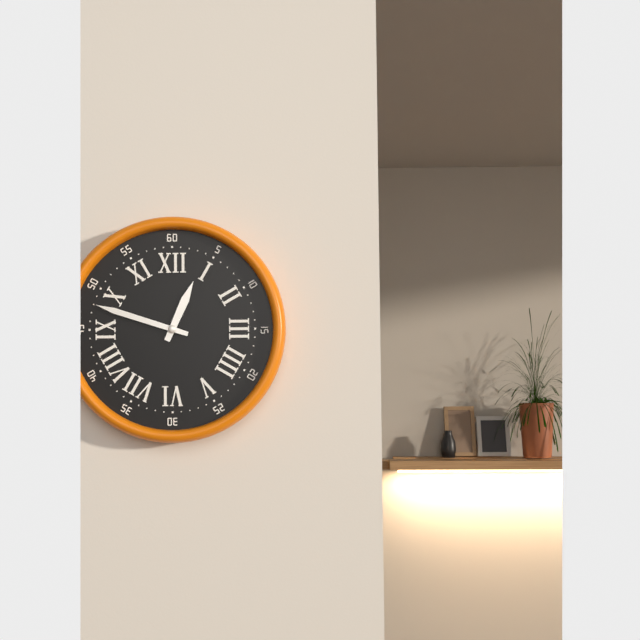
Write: 12,48
